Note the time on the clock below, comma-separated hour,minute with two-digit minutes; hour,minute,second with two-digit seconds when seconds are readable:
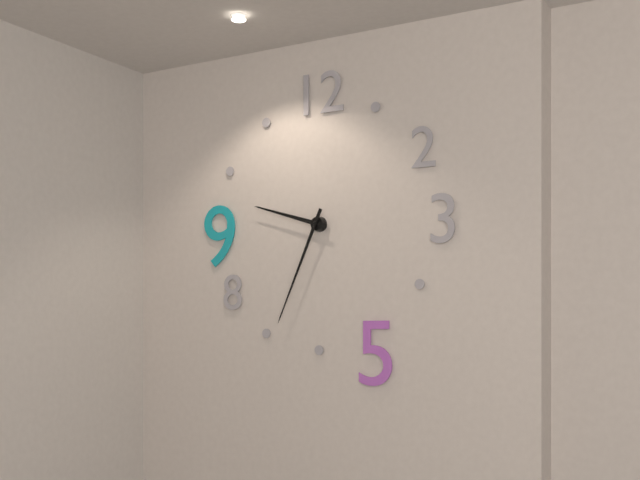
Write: 9,34
